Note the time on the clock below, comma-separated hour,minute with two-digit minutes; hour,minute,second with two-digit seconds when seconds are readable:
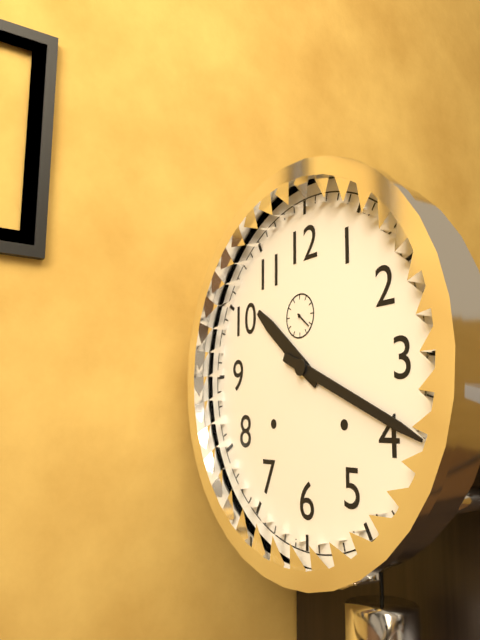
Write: 10,19
